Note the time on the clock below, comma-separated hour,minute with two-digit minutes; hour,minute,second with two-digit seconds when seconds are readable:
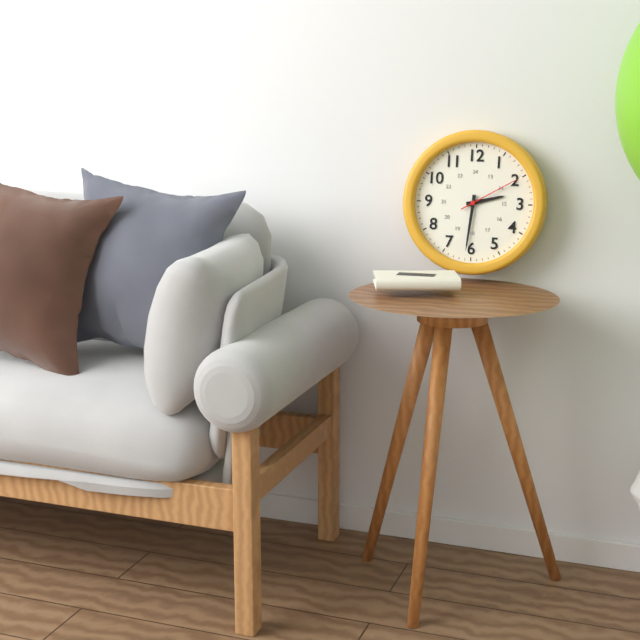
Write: 2,31,10
